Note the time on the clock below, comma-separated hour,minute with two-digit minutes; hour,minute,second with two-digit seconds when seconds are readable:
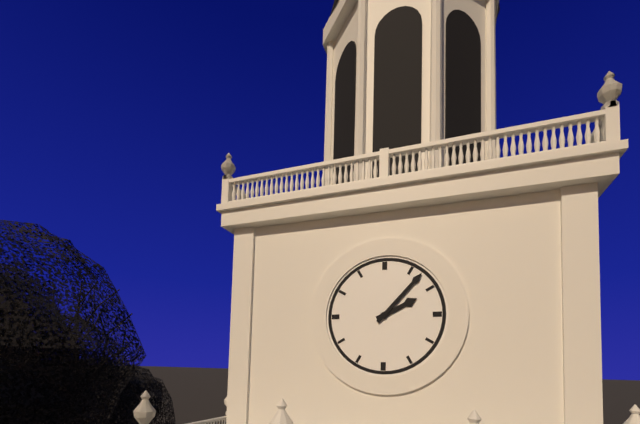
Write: 2,07
